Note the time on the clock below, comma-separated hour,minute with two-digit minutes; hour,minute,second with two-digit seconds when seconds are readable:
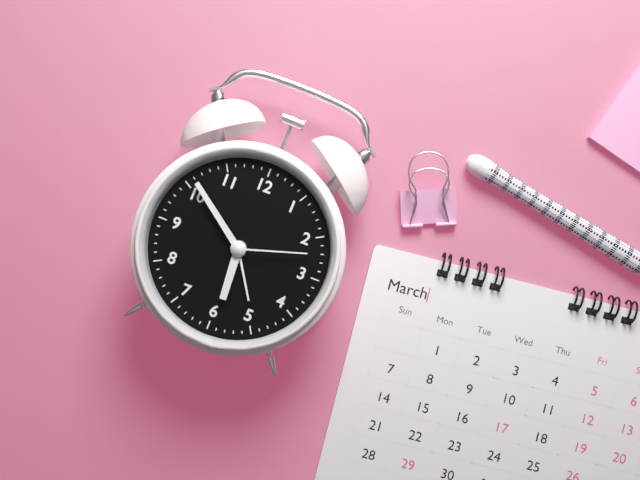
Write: 5,51,12
